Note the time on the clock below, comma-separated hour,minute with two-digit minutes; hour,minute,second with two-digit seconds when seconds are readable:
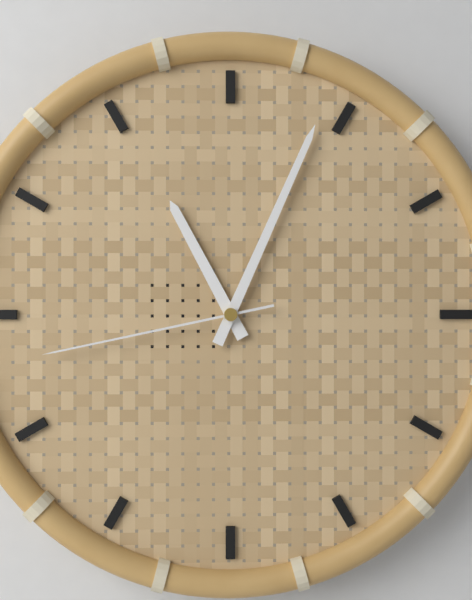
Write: 11,04,43
